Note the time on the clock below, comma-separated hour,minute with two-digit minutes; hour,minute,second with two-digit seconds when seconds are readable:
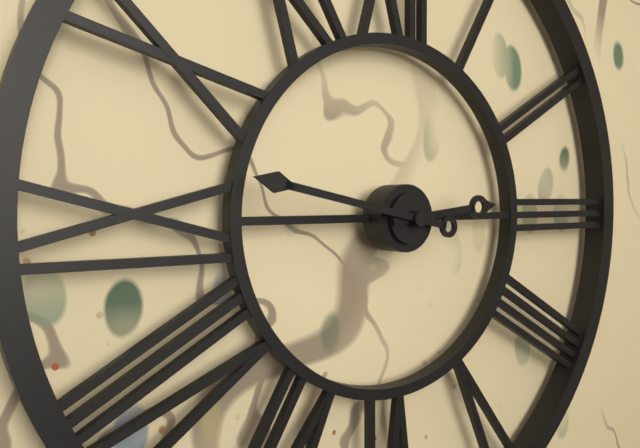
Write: 2,47
